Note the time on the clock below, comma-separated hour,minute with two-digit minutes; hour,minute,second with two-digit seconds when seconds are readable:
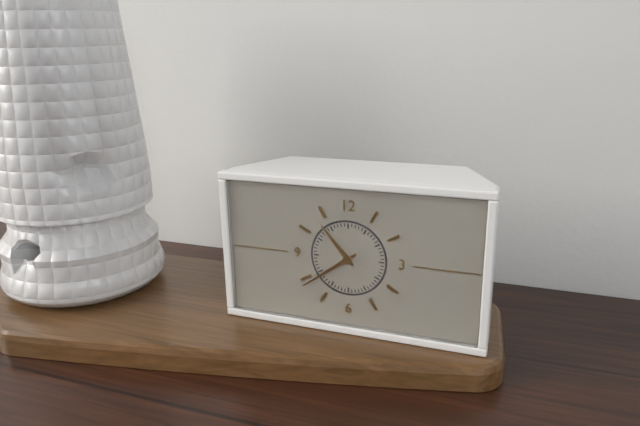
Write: 10,39
